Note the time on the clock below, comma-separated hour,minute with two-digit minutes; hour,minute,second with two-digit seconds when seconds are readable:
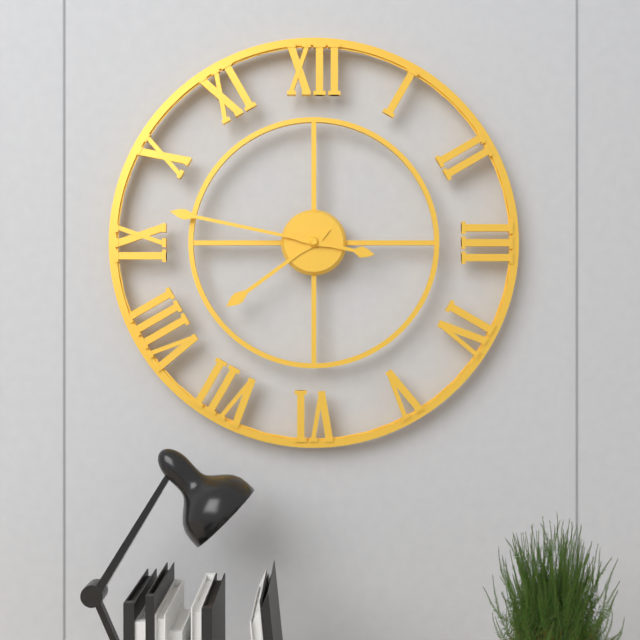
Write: 7,47
